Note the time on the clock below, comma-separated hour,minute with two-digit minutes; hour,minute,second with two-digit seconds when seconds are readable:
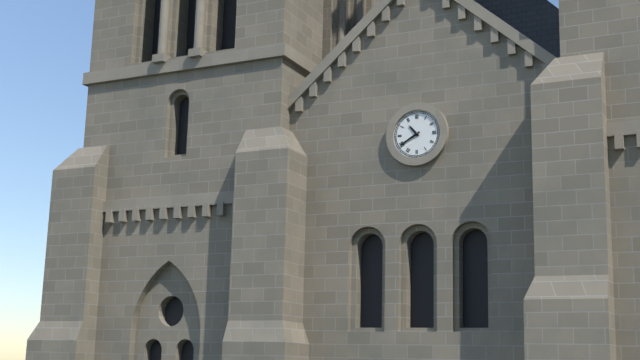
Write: 10,40
